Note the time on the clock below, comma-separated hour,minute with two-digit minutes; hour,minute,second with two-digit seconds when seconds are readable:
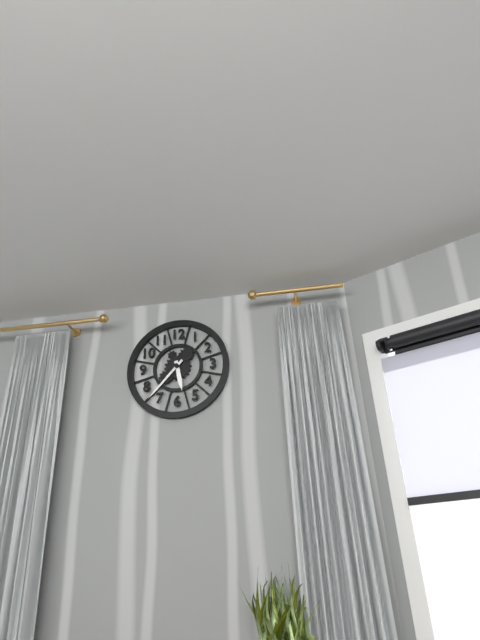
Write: 5,37
